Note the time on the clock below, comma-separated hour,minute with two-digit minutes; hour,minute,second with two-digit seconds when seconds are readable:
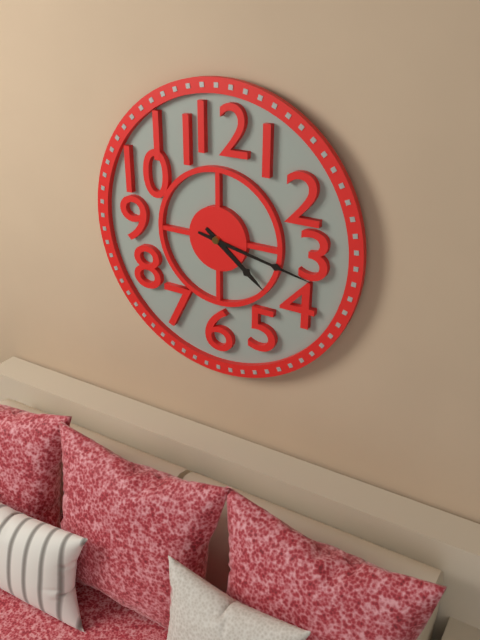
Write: 4,17
